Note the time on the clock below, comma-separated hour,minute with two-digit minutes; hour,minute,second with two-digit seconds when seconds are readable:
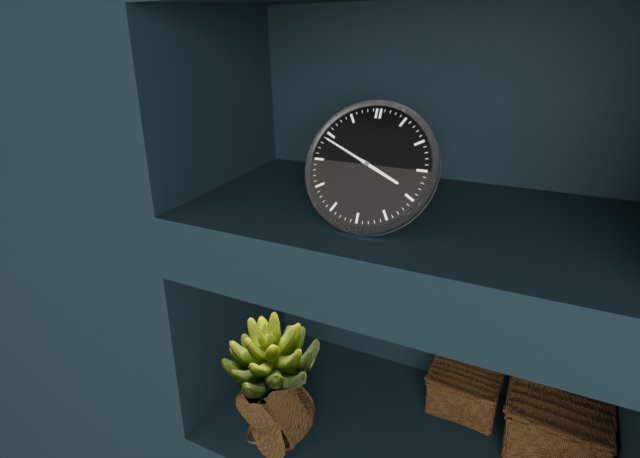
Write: 3,49
